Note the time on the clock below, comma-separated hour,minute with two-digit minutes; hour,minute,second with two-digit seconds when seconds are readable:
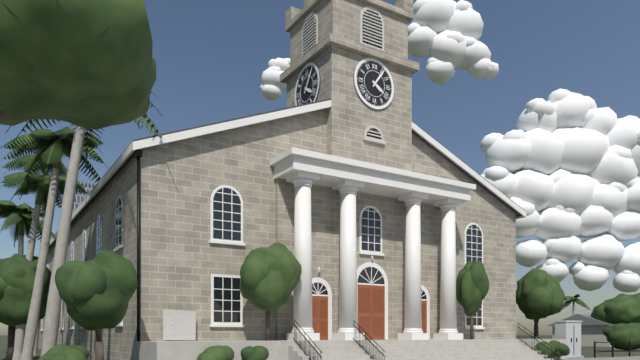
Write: 4,06
